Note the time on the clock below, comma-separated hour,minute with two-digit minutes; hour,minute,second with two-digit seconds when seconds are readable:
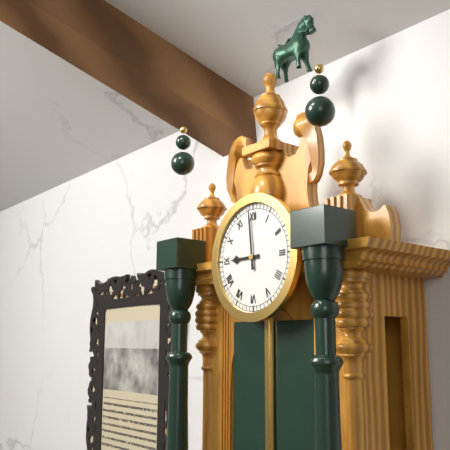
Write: 8,59
